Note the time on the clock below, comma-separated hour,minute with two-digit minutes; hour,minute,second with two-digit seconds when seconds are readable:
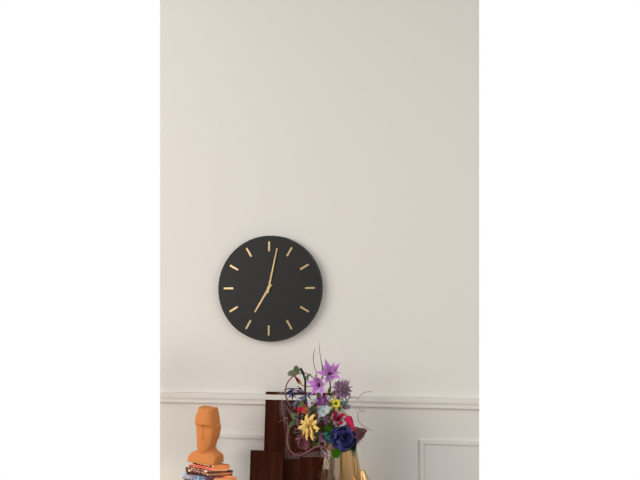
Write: 7,02
